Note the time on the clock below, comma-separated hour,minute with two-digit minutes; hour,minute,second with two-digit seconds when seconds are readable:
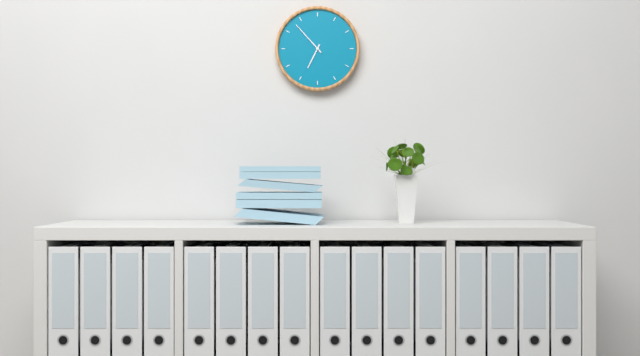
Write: 6,53
